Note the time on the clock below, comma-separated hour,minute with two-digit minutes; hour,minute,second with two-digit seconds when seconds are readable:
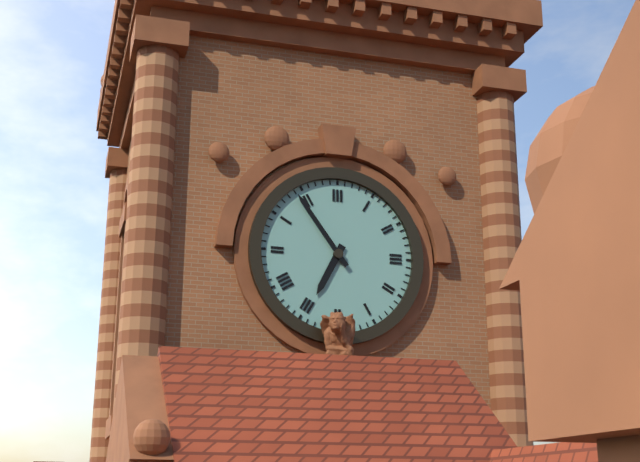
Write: 6,54
